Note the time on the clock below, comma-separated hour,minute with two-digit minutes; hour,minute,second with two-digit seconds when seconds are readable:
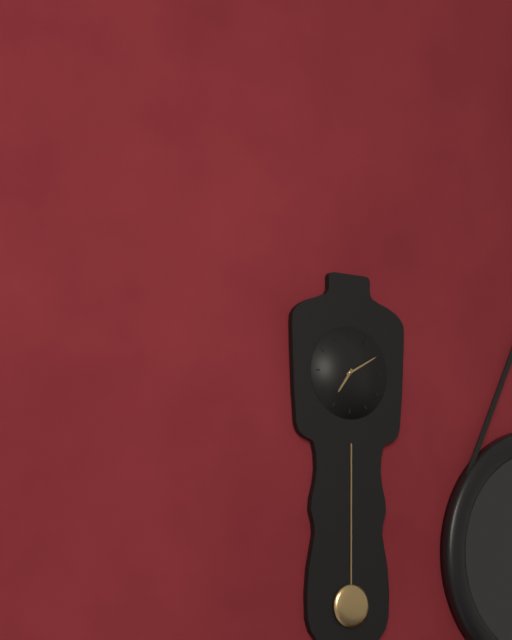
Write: 7,10
